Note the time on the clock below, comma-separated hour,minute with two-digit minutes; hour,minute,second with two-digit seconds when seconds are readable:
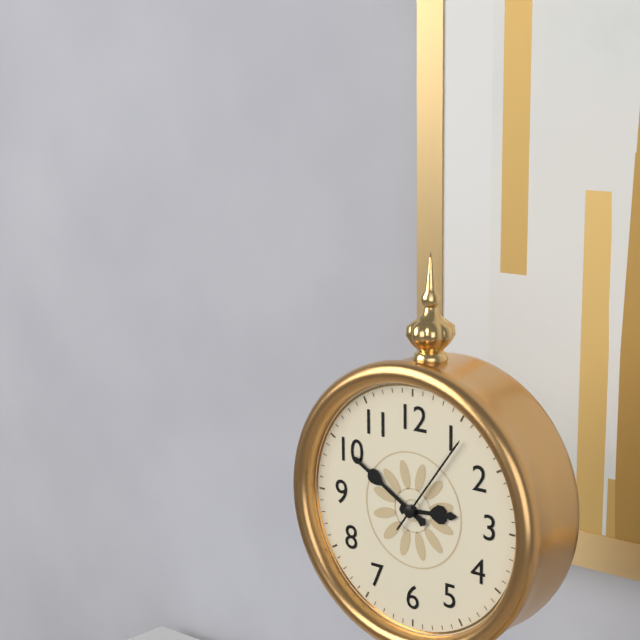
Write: 2,50,06
